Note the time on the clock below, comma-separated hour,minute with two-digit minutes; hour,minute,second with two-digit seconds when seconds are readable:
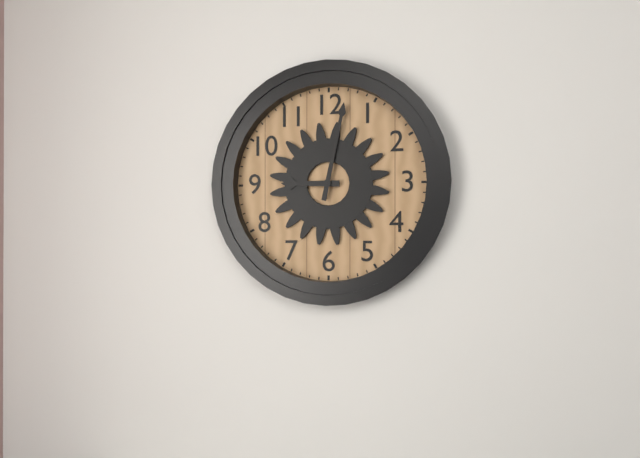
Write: 9,02
